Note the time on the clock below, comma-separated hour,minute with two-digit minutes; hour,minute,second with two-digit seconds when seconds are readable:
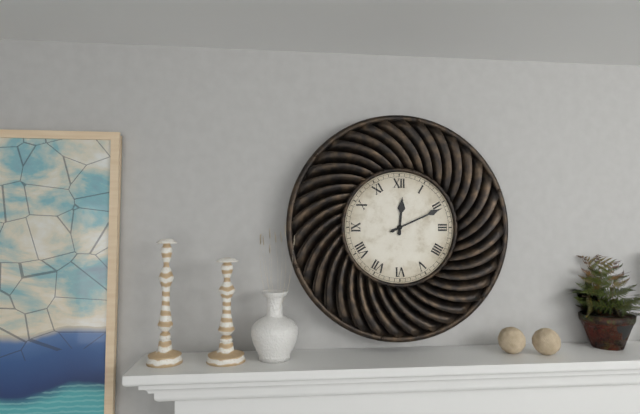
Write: 12,11
